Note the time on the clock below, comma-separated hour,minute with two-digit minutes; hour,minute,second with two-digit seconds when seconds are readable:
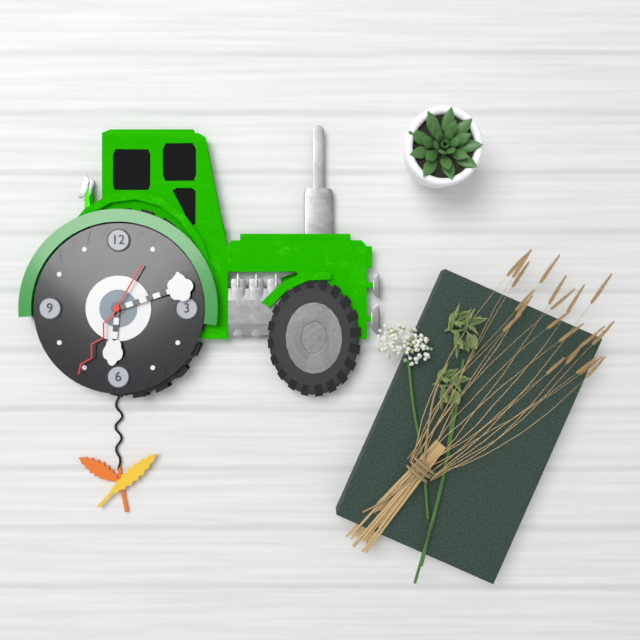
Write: 6,12,35
